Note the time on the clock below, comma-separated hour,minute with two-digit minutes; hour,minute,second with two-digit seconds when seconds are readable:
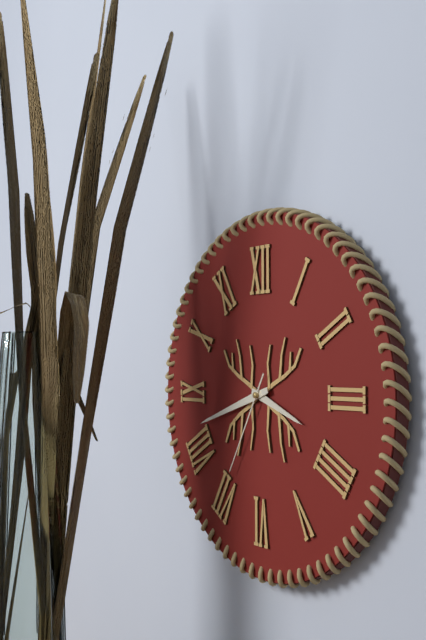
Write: 3,42,35
